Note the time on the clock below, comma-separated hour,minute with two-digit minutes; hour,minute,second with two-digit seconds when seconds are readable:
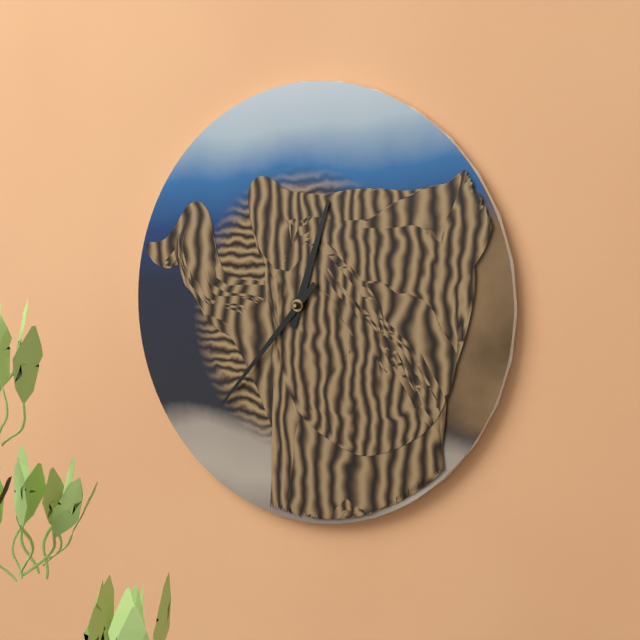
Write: 12,37
